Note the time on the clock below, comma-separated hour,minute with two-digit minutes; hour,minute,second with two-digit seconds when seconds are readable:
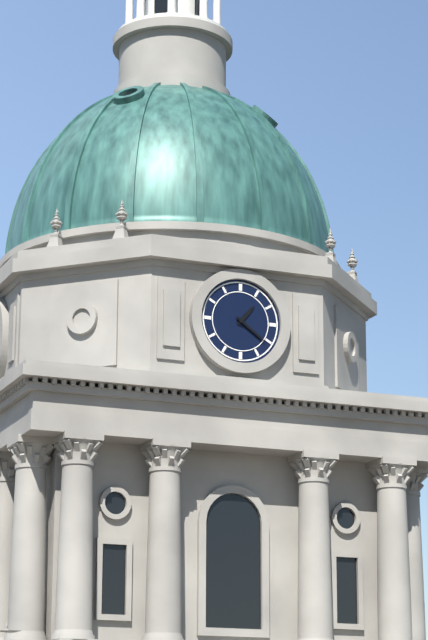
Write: 1,21
